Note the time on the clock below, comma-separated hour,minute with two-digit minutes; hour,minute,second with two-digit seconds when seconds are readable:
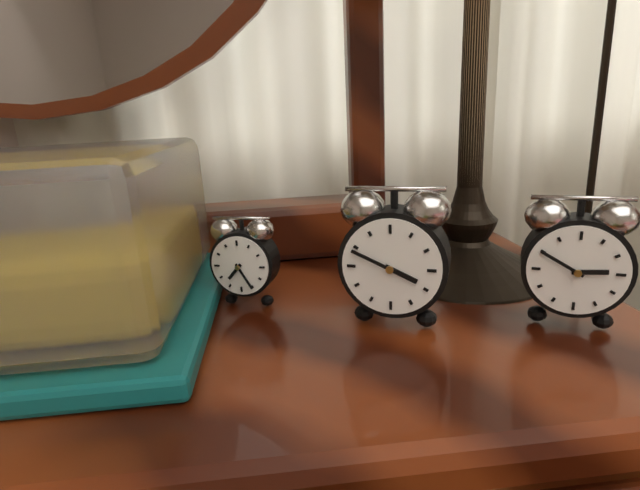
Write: 3,49
